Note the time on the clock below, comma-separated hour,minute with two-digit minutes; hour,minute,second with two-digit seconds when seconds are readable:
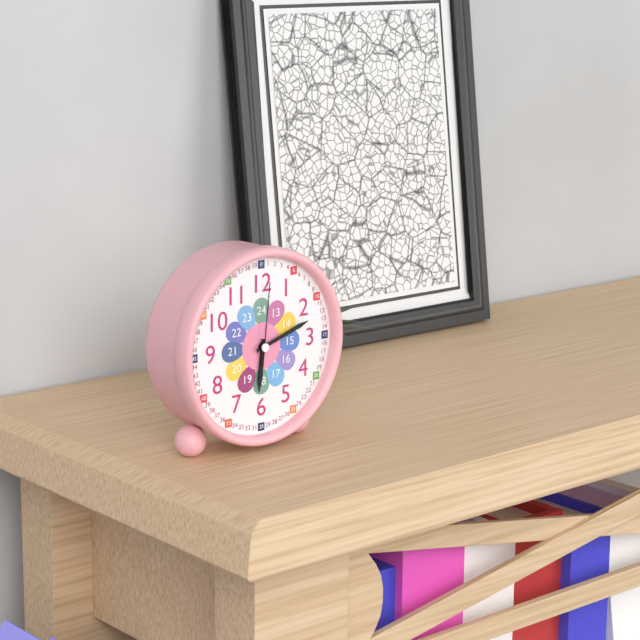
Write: 6,12,01
